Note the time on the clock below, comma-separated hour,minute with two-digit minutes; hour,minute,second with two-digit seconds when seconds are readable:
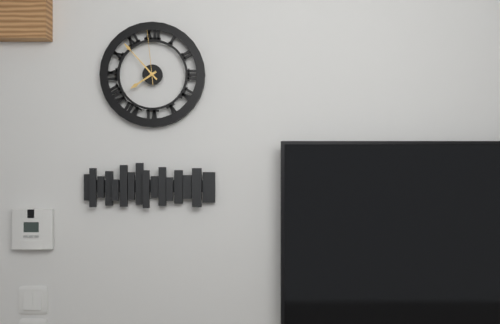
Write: 7,53,59
